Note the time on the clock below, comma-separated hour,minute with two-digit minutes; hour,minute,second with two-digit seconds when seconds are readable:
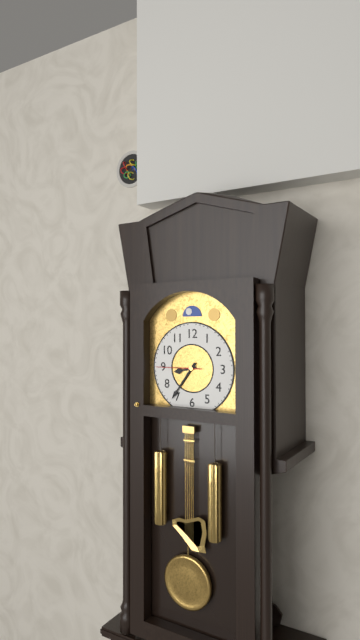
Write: 8,36
